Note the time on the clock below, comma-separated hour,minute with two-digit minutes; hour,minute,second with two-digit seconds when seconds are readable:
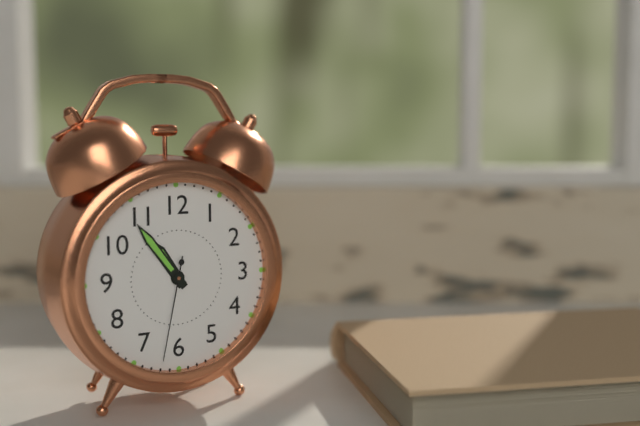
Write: 10,54,32
